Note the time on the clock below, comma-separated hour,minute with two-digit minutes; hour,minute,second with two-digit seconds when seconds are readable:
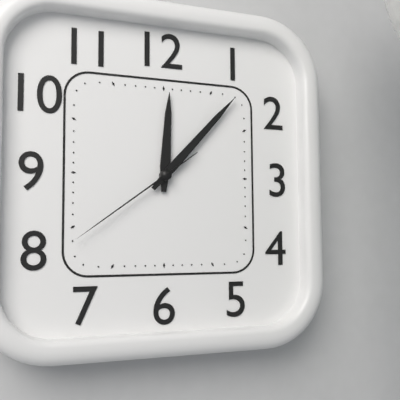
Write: 12,07,39
